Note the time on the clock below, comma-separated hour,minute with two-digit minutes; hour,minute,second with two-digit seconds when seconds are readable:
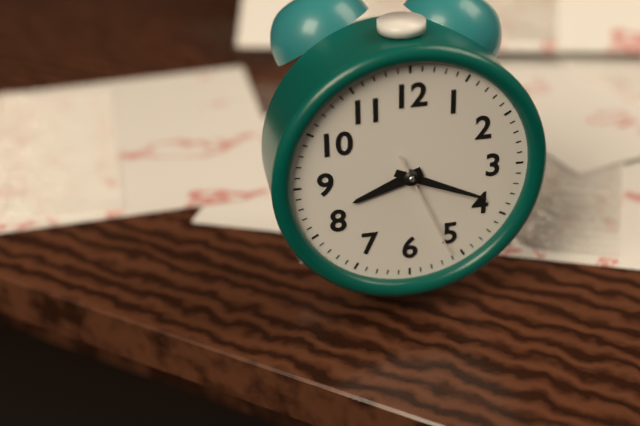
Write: 8,19,26
